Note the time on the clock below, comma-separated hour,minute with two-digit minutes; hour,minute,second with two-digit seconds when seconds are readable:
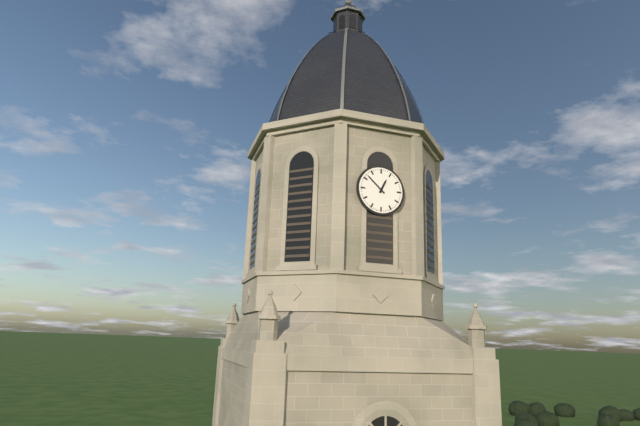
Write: 12,52
